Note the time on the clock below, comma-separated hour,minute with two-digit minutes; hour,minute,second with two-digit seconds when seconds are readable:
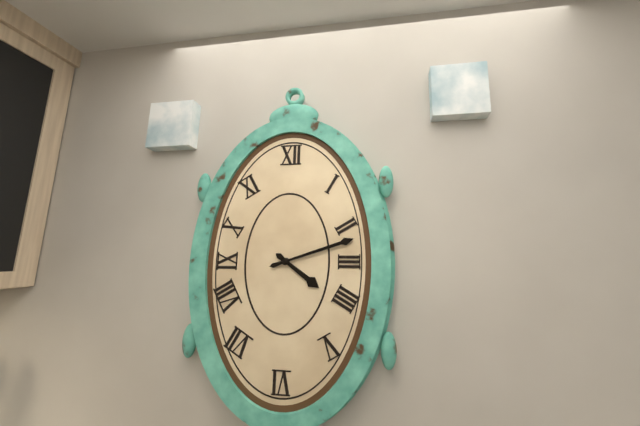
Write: 4,12
